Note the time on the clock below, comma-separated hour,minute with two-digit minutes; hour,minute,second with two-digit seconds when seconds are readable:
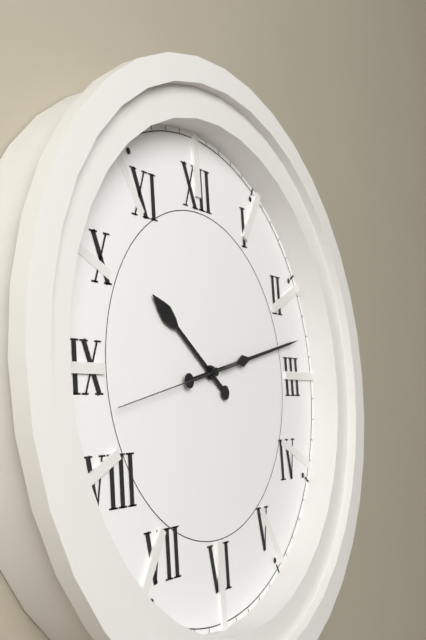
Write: 10,13,43
